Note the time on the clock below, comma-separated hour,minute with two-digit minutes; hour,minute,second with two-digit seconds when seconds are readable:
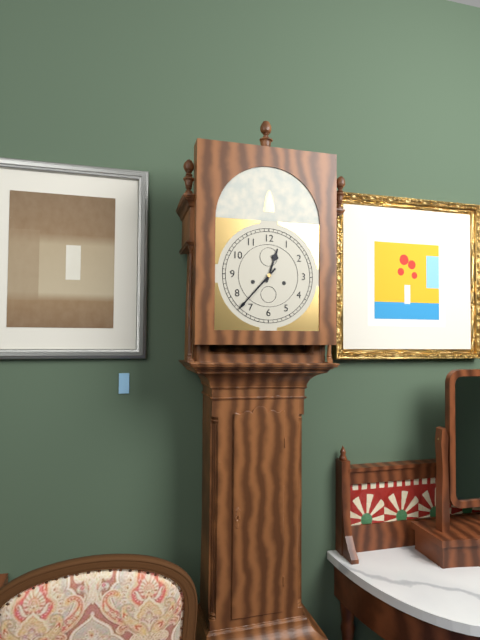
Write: 12,37
